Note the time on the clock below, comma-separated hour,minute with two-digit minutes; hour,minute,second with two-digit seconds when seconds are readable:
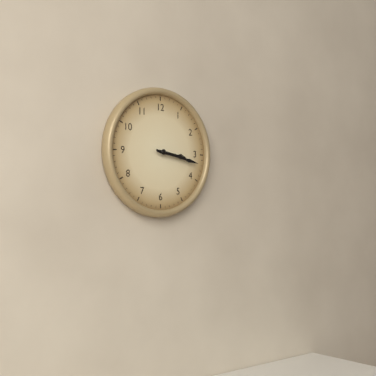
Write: 3,17
